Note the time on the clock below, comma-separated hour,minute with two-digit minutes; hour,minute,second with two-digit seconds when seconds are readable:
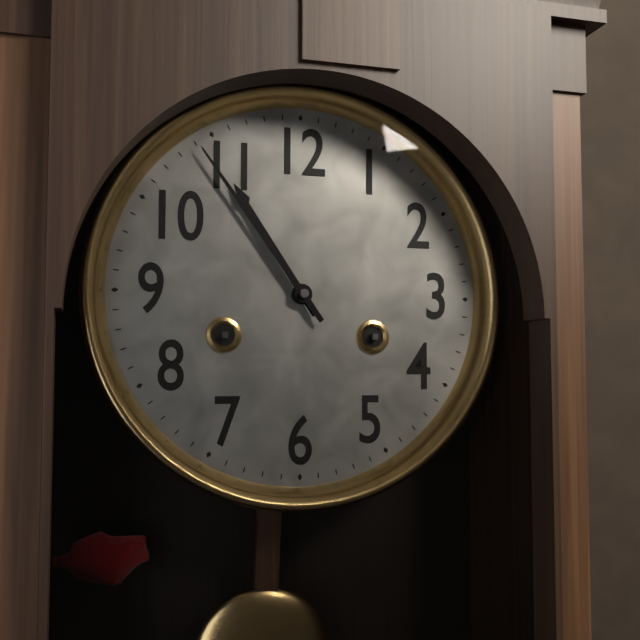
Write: 10,54
